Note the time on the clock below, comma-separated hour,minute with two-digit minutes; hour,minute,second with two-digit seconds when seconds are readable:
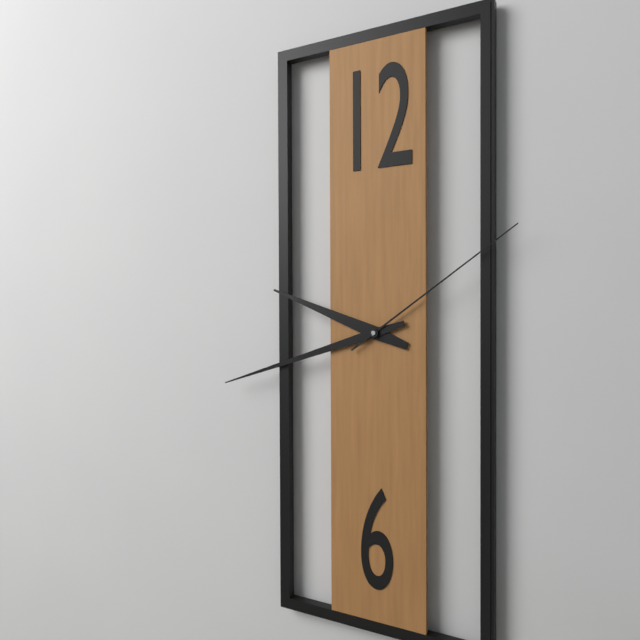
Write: 9,42,09
